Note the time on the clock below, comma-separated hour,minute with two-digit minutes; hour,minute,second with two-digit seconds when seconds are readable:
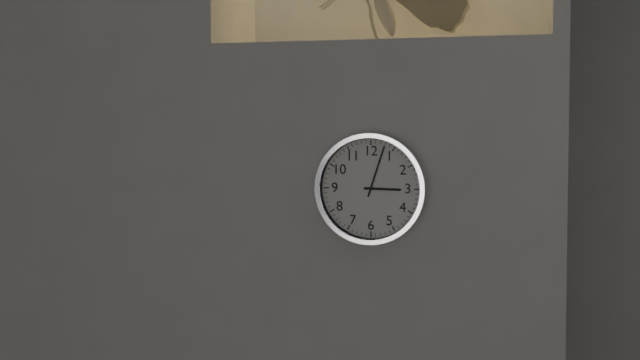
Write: 3,03
